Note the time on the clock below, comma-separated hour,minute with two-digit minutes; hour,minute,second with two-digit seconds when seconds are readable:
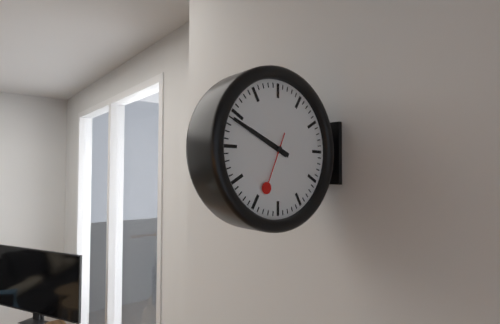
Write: 9,49,34
